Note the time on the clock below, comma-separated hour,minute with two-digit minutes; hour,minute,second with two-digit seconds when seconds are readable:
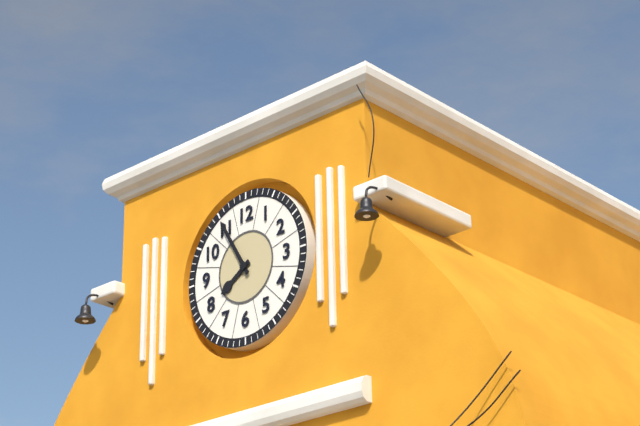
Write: 7,55
